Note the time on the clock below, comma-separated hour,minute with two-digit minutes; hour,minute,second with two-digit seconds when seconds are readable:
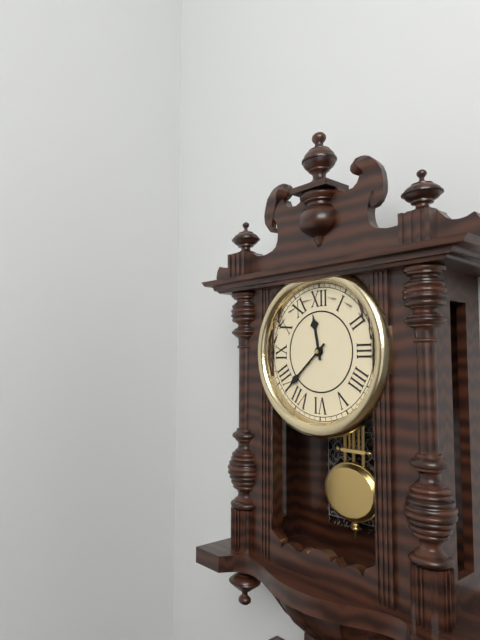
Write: 11,38
